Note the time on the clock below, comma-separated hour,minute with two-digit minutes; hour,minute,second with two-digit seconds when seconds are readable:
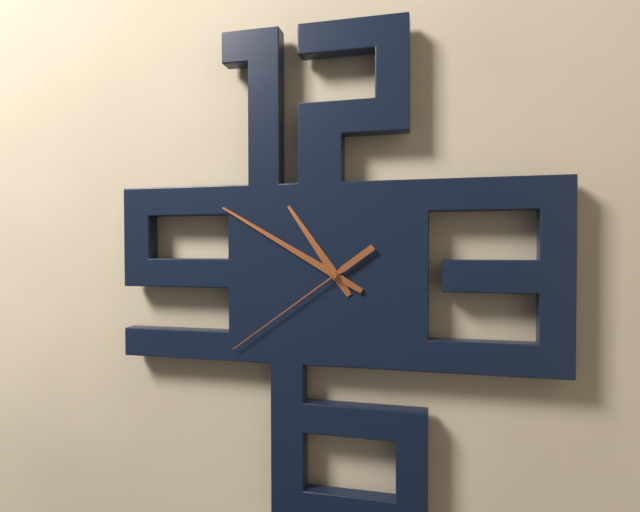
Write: 10,50,39
